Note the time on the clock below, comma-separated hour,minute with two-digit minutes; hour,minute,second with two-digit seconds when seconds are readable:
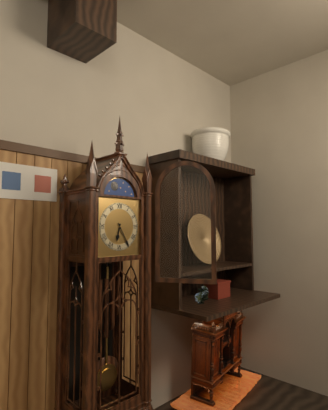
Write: 6,25
